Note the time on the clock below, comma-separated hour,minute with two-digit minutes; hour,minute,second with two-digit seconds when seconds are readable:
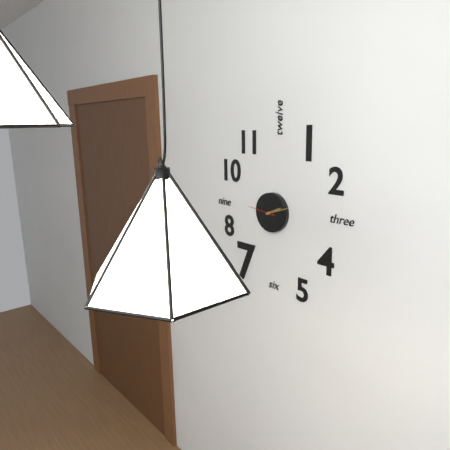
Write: 2,12
